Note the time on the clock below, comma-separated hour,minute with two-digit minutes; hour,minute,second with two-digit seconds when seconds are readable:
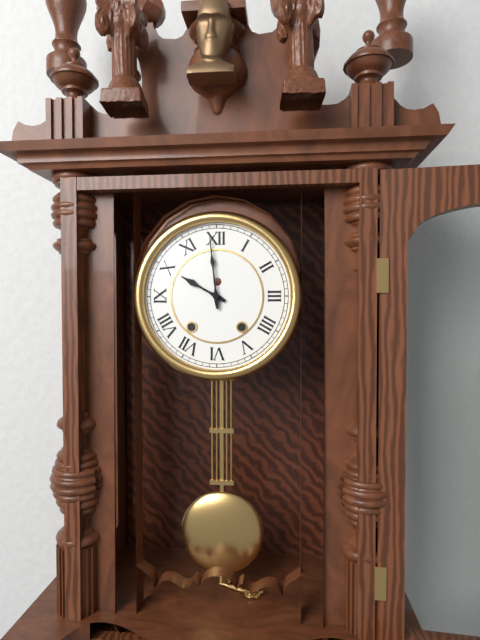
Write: 9,59
